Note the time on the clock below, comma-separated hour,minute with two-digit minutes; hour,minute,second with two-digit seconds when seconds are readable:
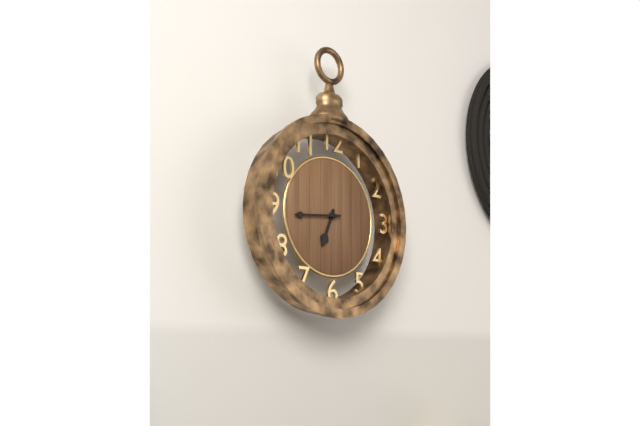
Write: 6,44
